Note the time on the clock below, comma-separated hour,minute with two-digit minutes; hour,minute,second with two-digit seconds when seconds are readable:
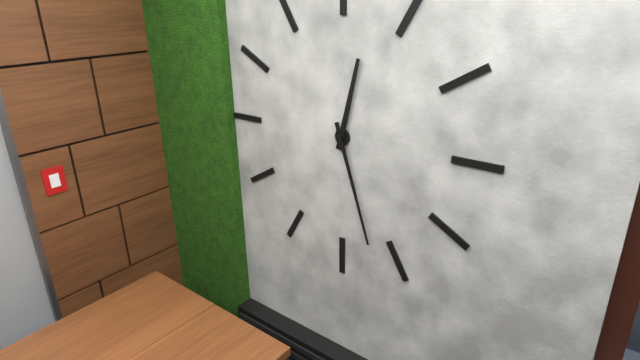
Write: 12,27
